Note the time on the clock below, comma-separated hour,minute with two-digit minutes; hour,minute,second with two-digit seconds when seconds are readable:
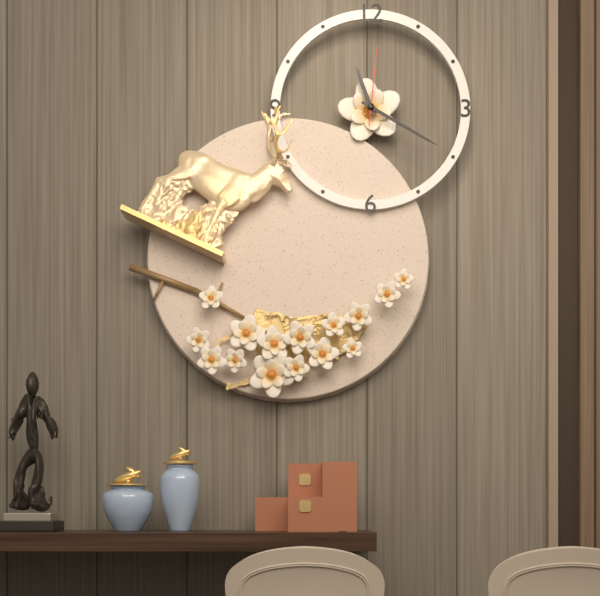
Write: 11,20,01
